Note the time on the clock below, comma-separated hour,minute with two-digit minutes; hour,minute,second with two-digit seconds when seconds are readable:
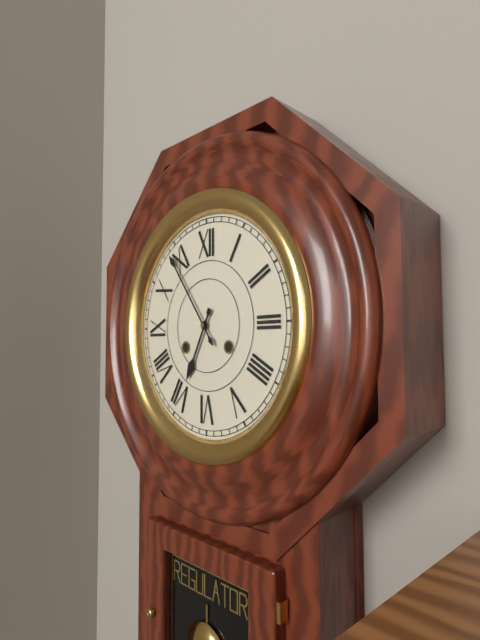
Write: 6,54
